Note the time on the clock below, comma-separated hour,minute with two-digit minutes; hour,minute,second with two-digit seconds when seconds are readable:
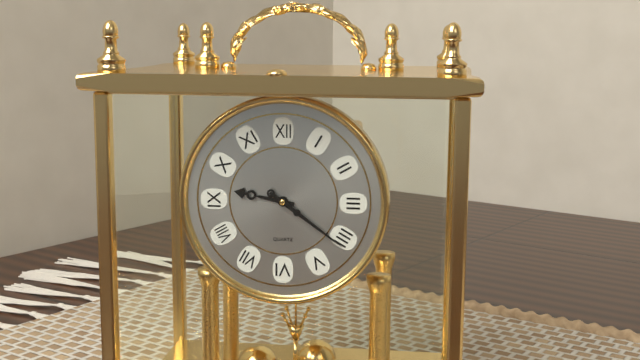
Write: 9,21
